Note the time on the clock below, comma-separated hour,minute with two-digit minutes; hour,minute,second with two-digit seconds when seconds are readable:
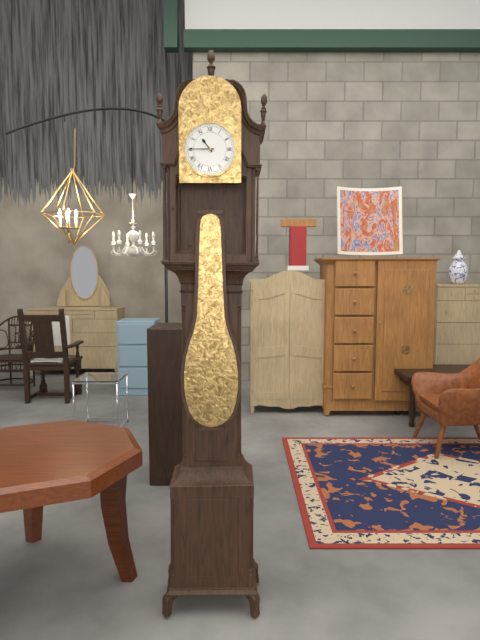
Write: 10,45
